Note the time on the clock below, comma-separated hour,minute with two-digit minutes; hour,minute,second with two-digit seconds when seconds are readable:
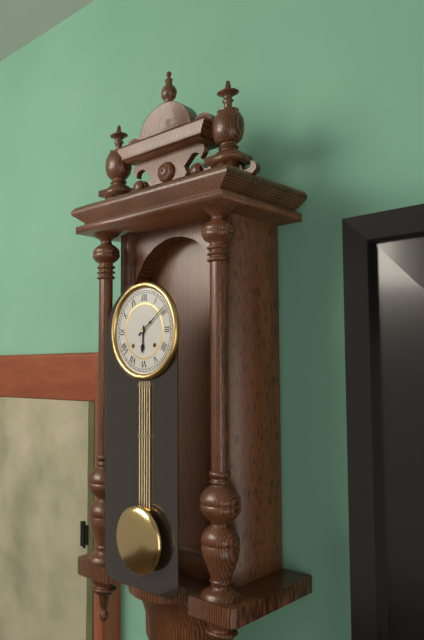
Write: 6,09
